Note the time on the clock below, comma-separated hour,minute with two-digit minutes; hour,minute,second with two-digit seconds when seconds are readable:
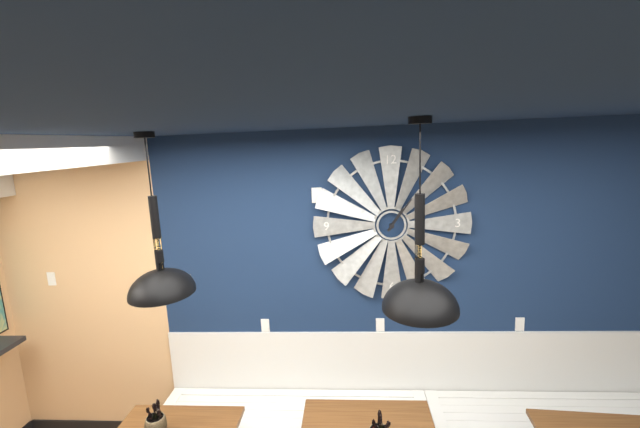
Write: 1,06
